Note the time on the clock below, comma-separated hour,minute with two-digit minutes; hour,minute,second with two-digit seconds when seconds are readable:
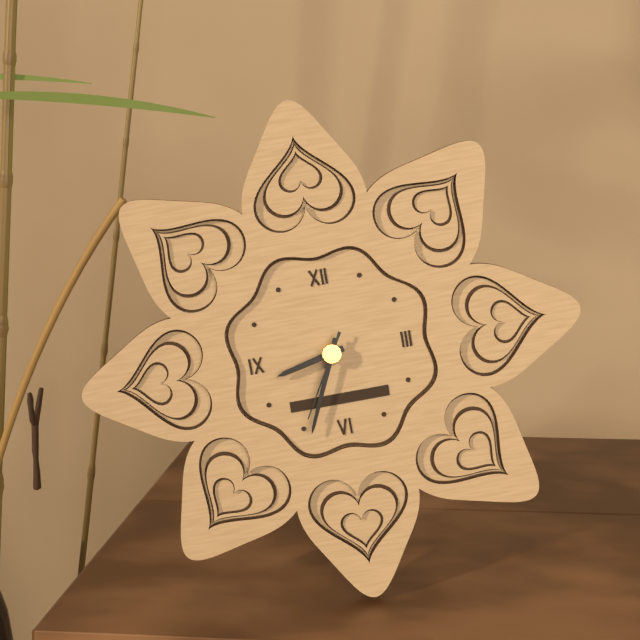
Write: 8,34,35
